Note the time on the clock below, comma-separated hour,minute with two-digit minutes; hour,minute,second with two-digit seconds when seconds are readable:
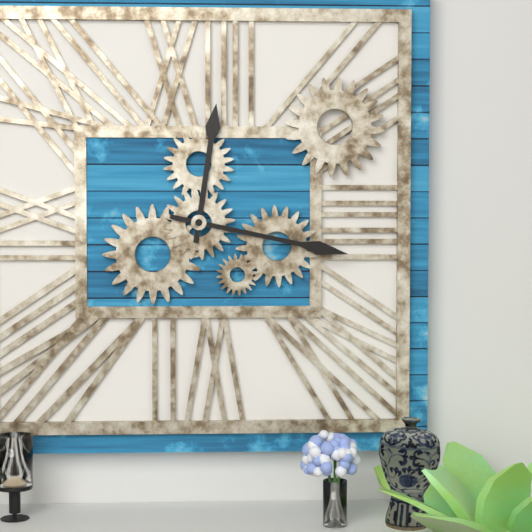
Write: 12,17
